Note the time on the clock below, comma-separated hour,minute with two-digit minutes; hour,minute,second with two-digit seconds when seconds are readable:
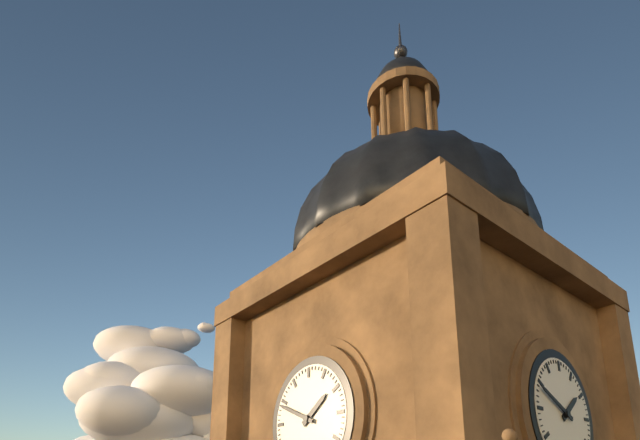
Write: 1,49
